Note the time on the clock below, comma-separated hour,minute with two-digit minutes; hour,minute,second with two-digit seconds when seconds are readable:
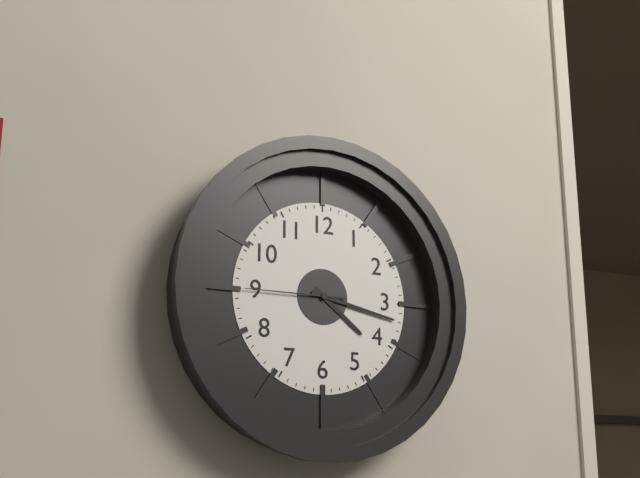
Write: 4,17,45
